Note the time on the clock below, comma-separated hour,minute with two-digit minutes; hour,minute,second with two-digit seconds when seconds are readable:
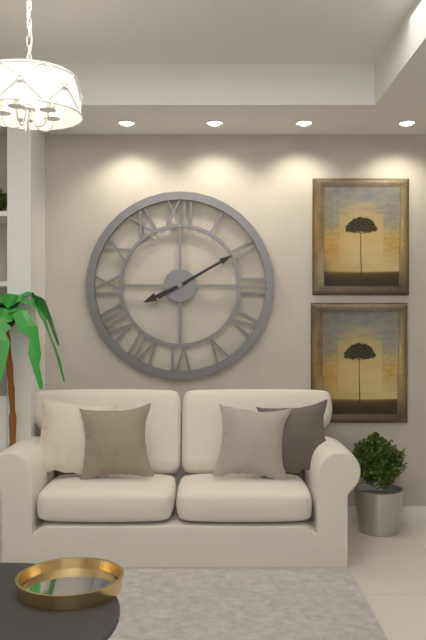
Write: 8,10
